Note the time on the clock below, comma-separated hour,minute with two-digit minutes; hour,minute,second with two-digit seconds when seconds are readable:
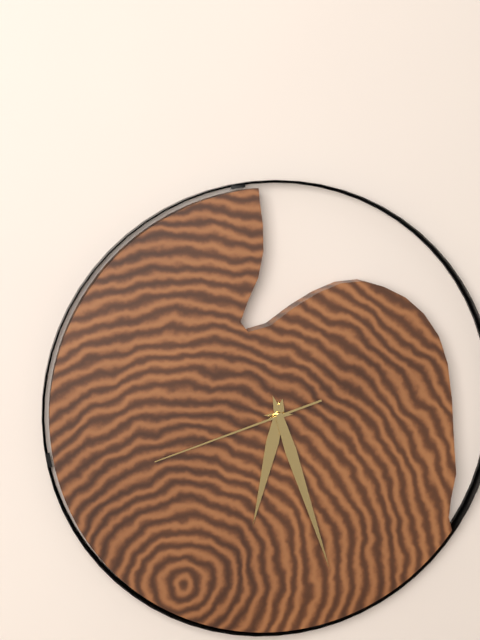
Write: 6,27,42
